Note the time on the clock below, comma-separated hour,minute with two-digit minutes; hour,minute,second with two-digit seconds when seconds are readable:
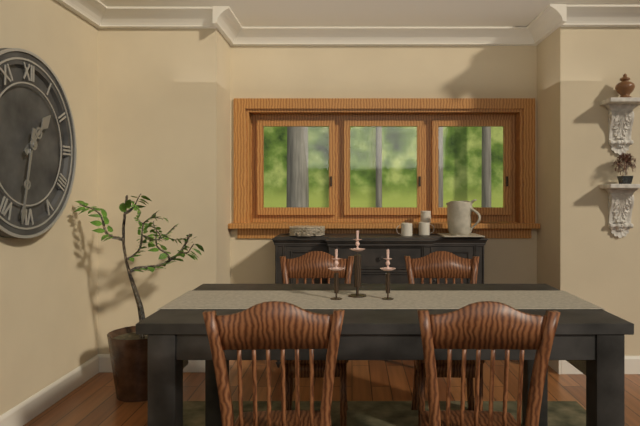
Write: 1,32
